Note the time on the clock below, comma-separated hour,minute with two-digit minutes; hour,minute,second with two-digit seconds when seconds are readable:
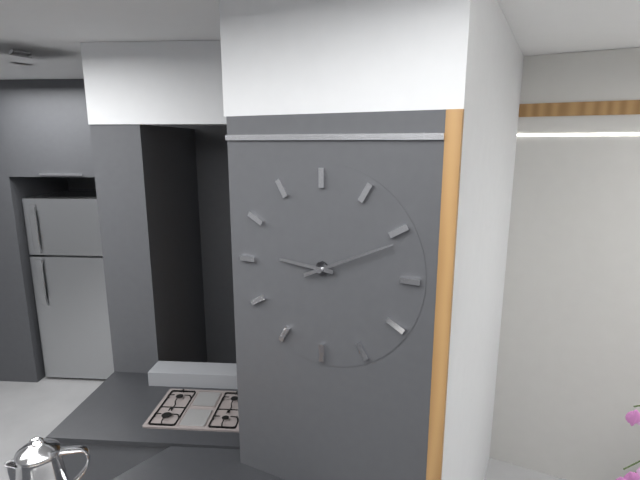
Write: 9,11
